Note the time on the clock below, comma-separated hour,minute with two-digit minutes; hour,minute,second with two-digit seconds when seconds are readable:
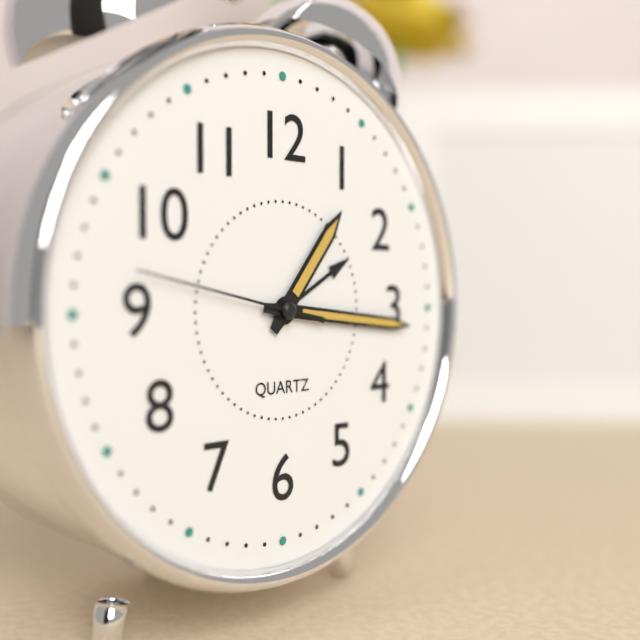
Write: 1,16,47
